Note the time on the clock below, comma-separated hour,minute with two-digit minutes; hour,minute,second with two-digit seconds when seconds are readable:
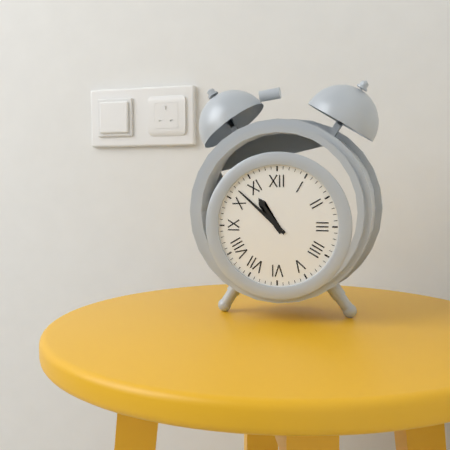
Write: 10,52
